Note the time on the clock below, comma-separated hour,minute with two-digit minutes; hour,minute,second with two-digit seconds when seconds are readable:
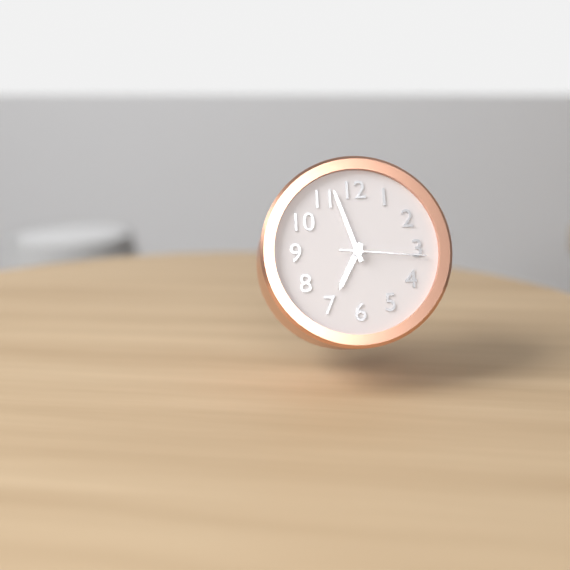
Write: 6,57,16
